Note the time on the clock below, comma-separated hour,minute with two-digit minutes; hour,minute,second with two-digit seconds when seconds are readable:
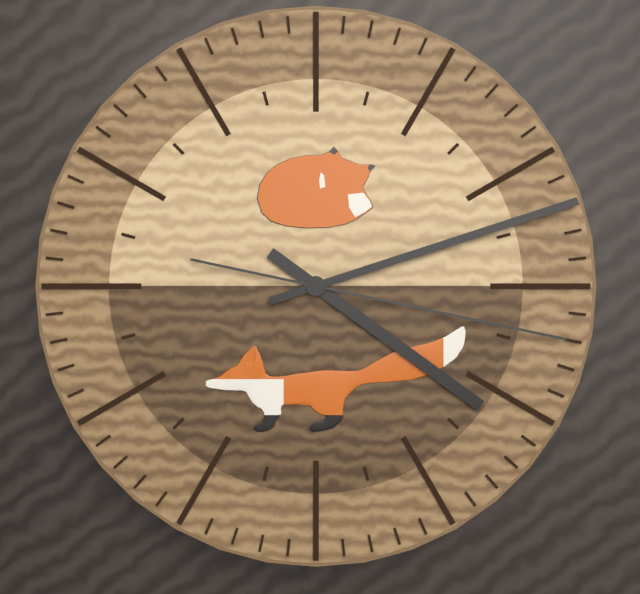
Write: 4,12,17
